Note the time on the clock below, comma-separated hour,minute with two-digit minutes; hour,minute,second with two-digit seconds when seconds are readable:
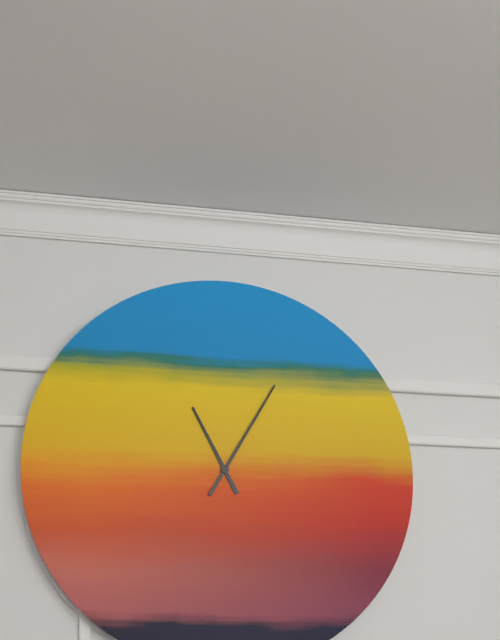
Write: 11,05
